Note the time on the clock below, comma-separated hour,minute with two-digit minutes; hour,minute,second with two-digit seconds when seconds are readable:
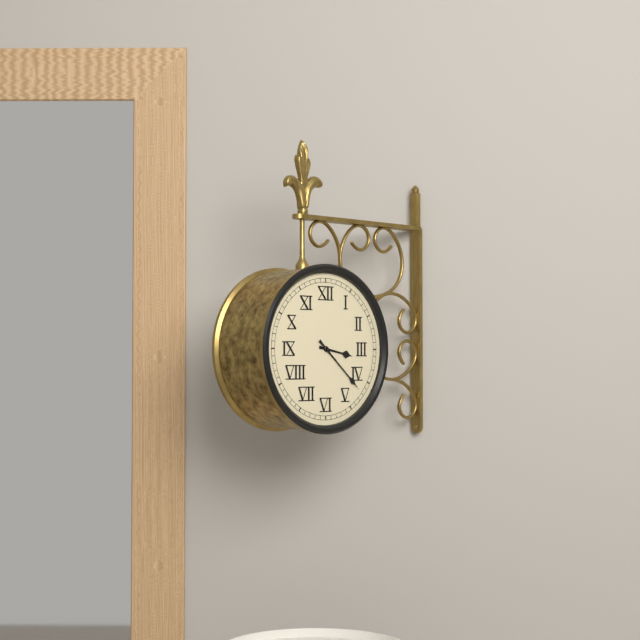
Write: 3,22
